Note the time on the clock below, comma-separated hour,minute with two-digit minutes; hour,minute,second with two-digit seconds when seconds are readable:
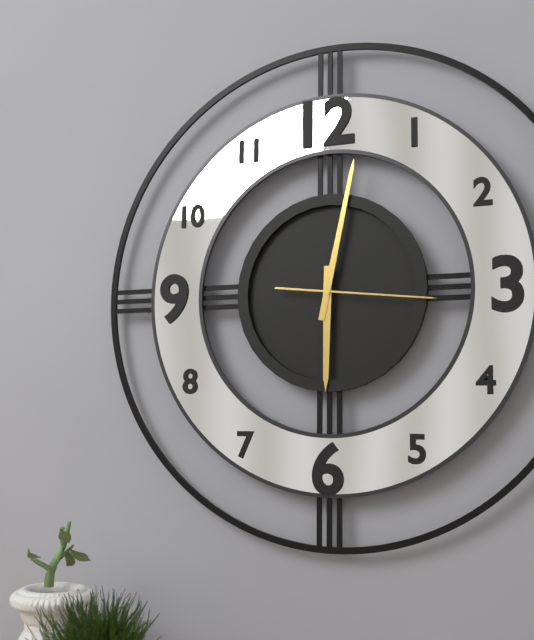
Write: 6,02,16
